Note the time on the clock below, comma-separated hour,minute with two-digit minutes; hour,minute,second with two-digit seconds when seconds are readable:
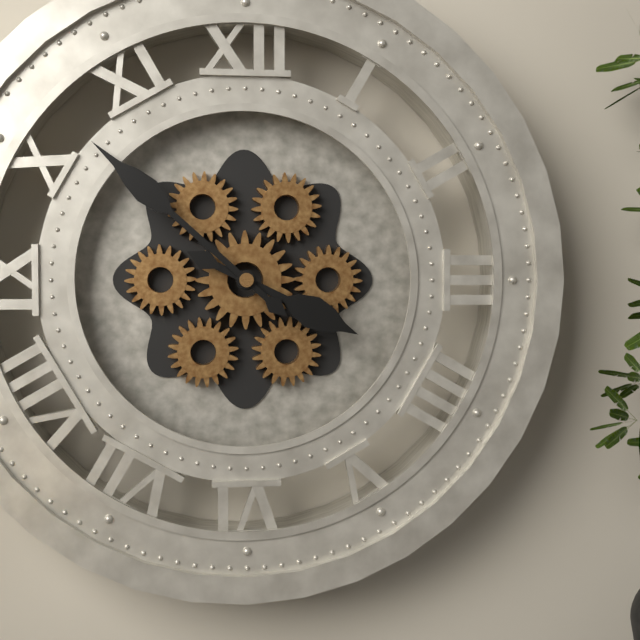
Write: 3,52
